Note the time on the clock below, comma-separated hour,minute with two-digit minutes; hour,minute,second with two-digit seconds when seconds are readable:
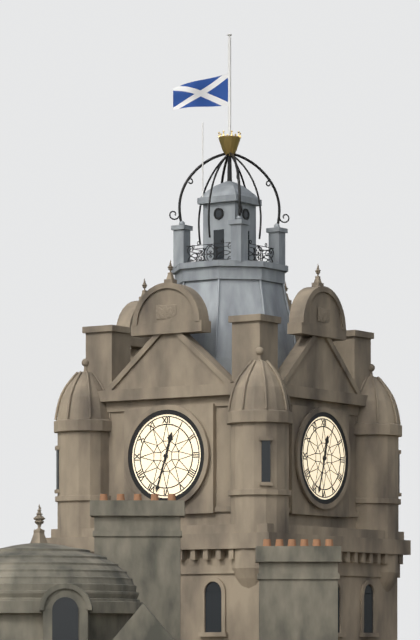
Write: 12,33
